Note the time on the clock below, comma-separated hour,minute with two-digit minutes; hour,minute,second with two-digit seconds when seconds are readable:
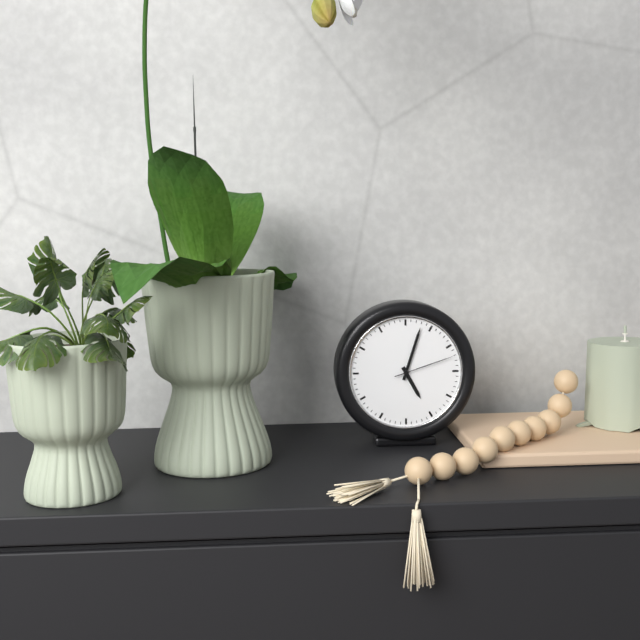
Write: 5,03,12
